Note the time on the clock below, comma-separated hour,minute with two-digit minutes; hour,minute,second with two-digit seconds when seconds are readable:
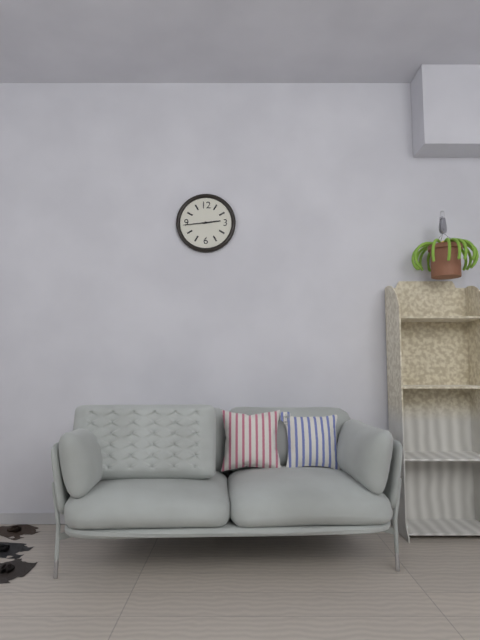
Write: 2,44
